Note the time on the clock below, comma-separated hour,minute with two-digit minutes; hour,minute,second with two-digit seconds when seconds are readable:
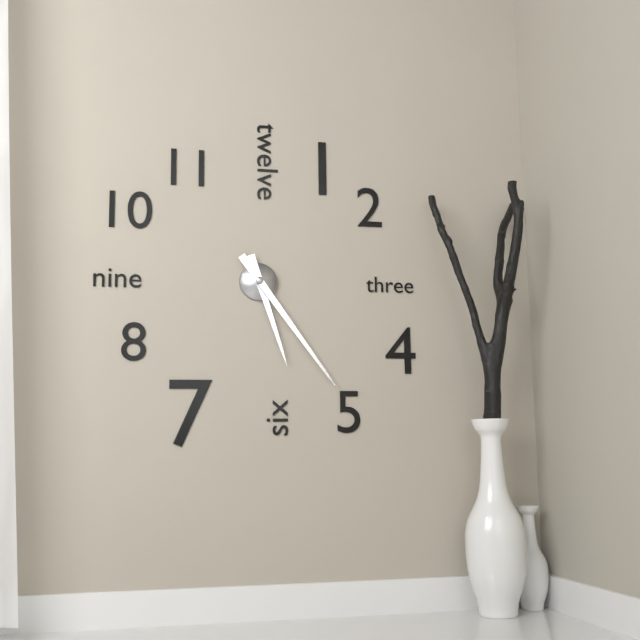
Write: 5,24
